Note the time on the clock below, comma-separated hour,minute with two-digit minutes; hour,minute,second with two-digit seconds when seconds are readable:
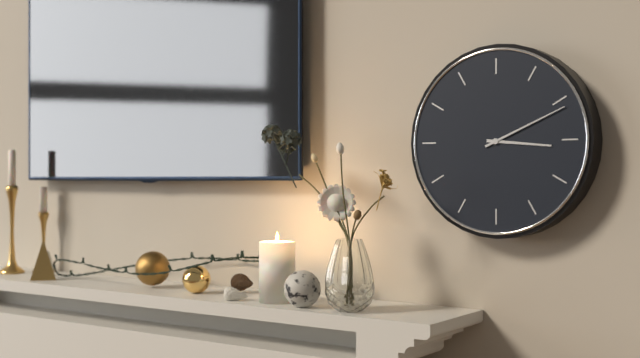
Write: 3,11
